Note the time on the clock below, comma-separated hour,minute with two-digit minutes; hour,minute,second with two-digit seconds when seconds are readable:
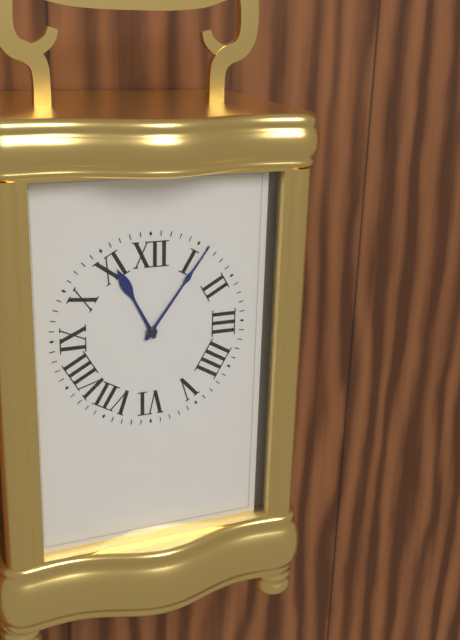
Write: 11,06
